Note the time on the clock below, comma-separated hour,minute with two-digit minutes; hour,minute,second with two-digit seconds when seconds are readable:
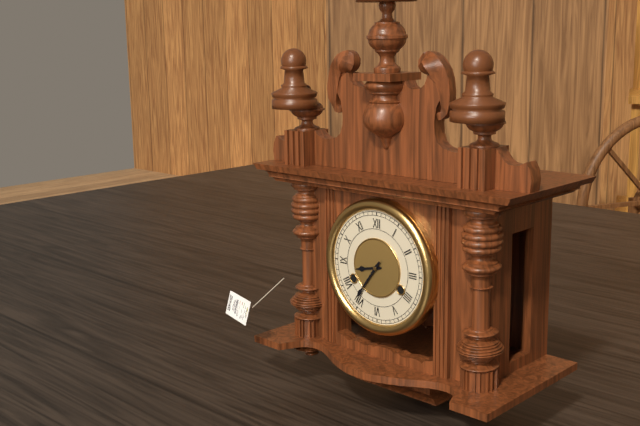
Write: 8,36
